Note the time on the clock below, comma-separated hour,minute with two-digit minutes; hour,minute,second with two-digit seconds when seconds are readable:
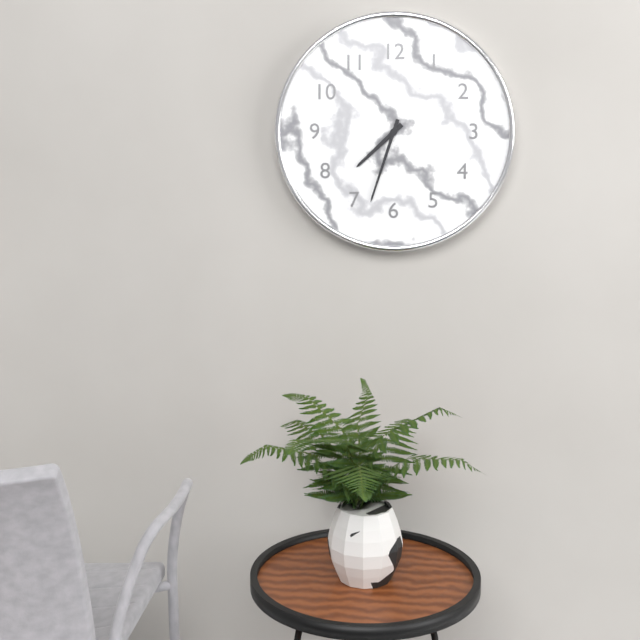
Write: 7,33
